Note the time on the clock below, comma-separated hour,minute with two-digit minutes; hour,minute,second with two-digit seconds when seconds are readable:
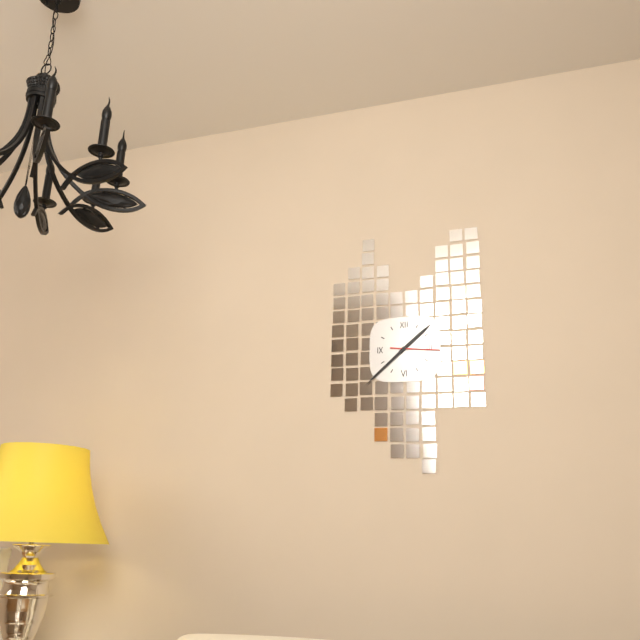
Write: 1,38,16
